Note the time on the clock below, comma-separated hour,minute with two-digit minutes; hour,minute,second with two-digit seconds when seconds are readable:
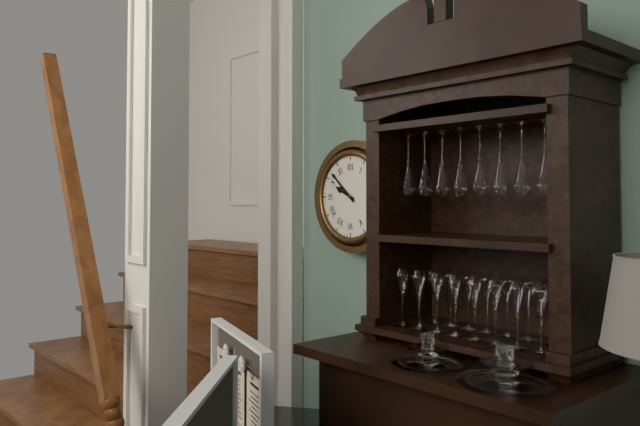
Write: 9,52
